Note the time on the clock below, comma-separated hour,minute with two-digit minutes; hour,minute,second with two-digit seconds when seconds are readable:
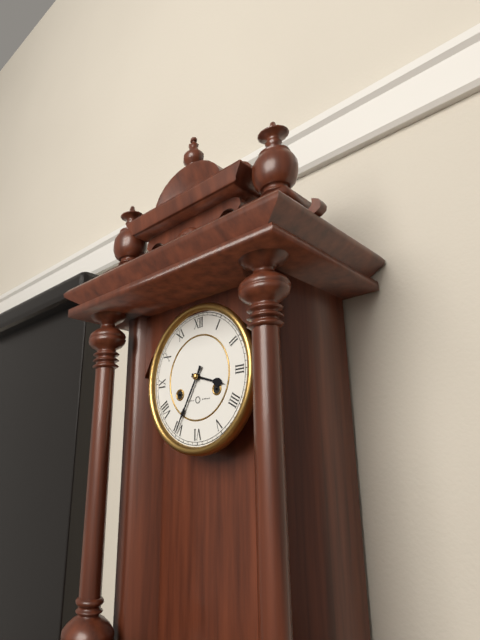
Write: 3,35
